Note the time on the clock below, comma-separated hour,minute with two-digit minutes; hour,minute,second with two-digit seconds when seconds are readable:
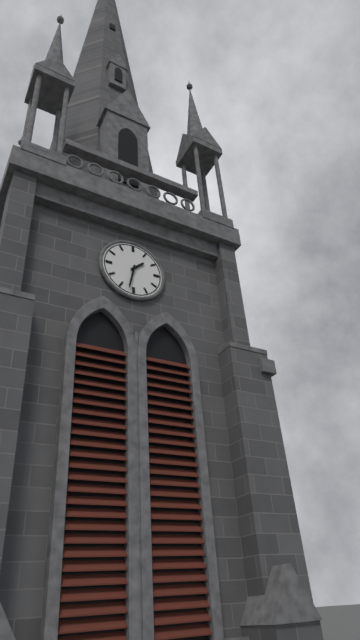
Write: 1,32
